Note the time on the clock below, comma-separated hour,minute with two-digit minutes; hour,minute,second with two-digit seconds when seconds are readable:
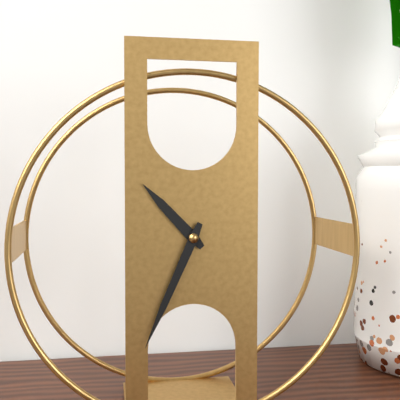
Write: 10,34
